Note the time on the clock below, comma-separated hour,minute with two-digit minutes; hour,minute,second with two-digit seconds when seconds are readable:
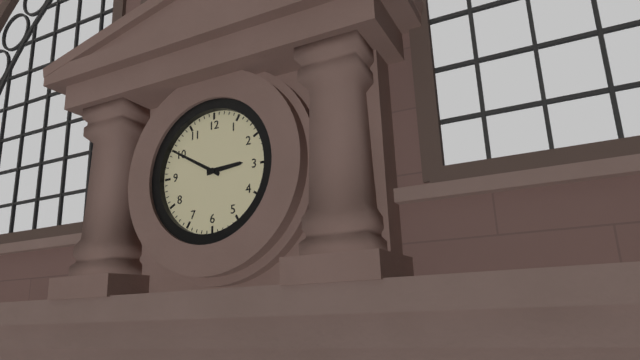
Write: 2,50
